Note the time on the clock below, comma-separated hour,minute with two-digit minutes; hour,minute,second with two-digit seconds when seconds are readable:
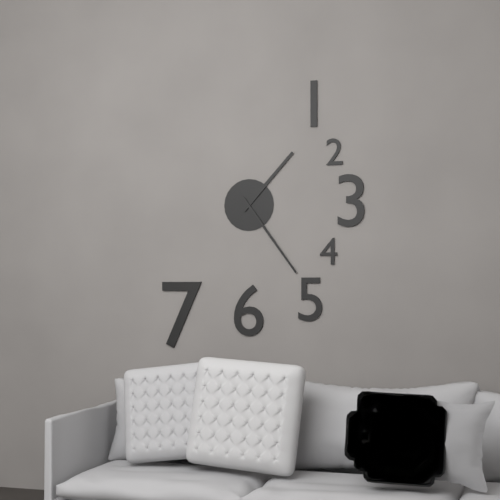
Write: 1,24
